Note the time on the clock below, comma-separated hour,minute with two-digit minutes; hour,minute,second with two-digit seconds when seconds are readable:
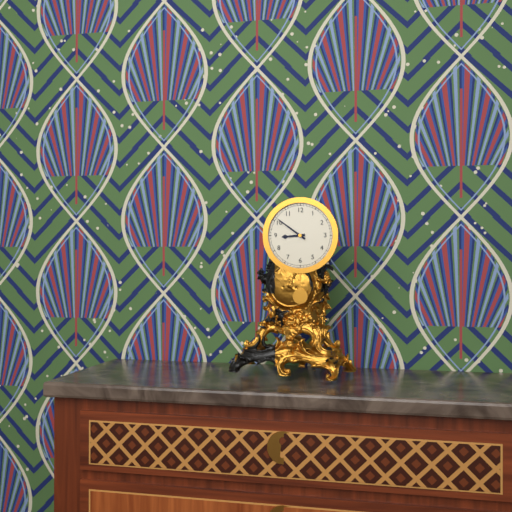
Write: 8,51
